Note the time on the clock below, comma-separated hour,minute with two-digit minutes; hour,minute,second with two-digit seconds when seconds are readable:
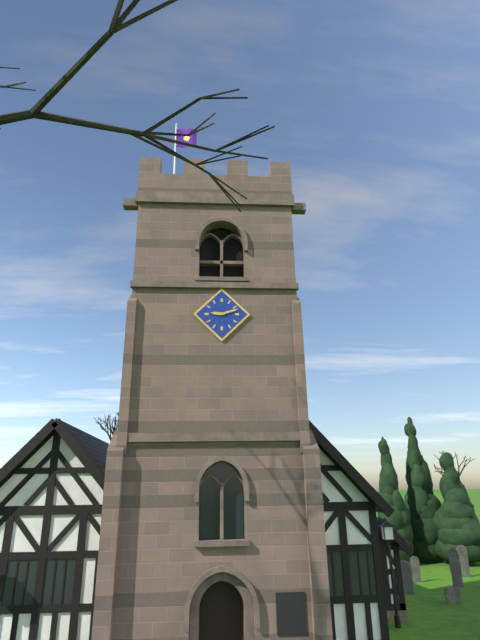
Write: 9,12
